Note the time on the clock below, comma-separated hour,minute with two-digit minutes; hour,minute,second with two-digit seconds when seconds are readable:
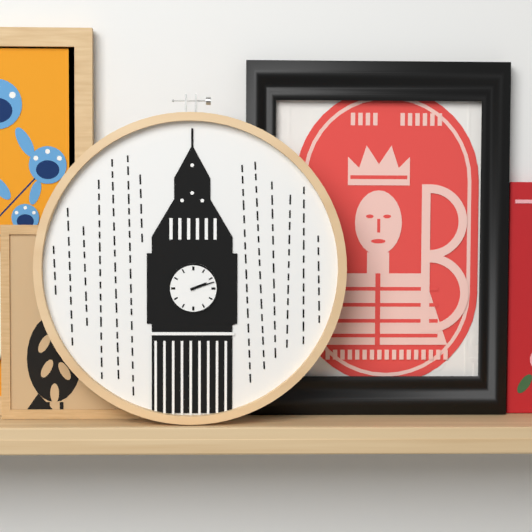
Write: 2,12
